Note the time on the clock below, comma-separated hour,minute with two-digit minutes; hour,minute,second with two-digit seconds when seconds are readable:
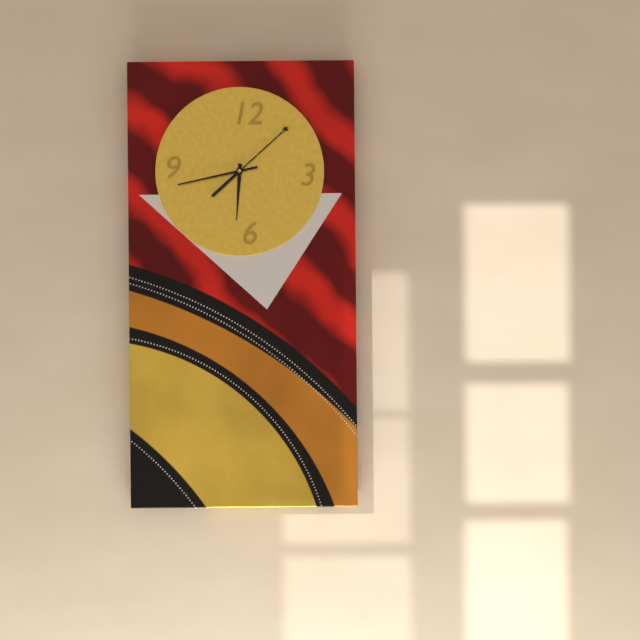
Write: 6,08,43
